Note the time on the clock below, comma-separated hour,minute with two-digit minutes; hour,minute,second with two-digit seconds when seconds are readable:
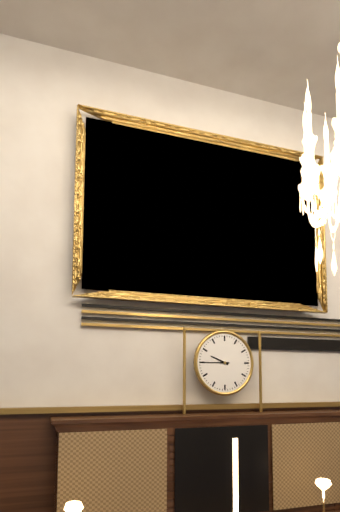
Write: 9,45
